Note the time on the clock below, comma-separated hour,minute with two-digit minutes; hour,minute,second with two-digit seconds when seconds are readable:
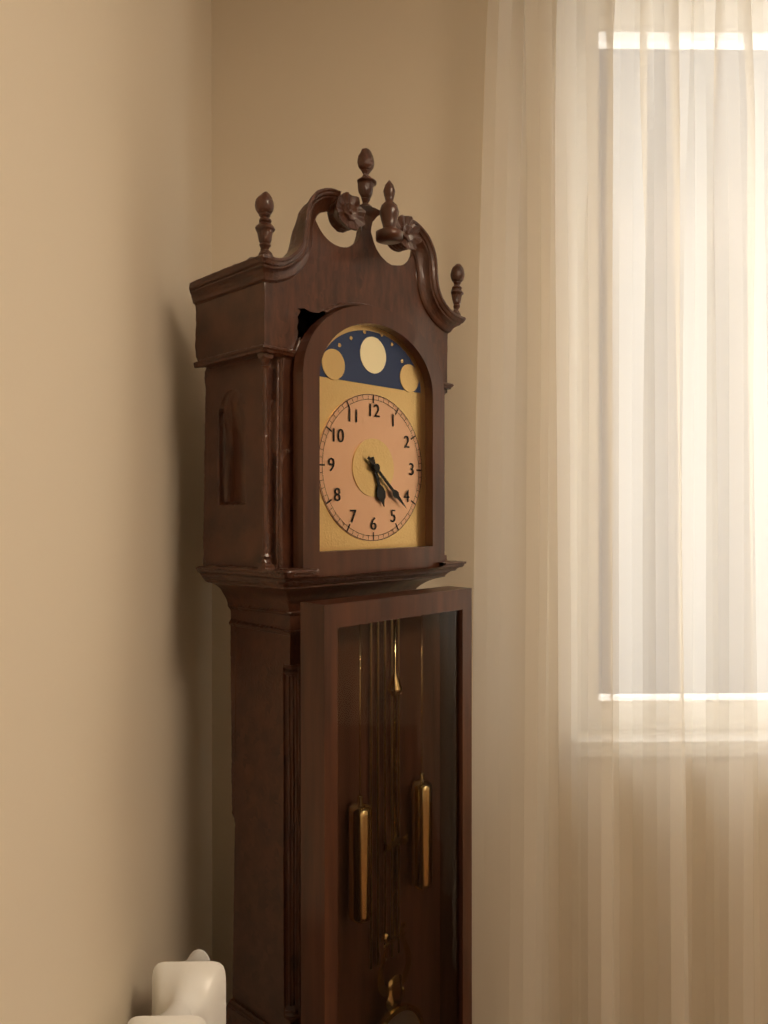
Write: 5,22
